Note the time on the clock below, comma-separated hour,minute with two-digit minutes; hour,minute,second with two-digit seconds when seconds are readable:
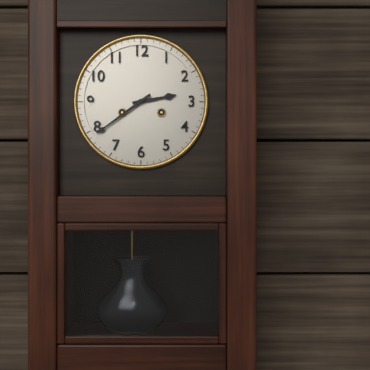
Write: 2,39
